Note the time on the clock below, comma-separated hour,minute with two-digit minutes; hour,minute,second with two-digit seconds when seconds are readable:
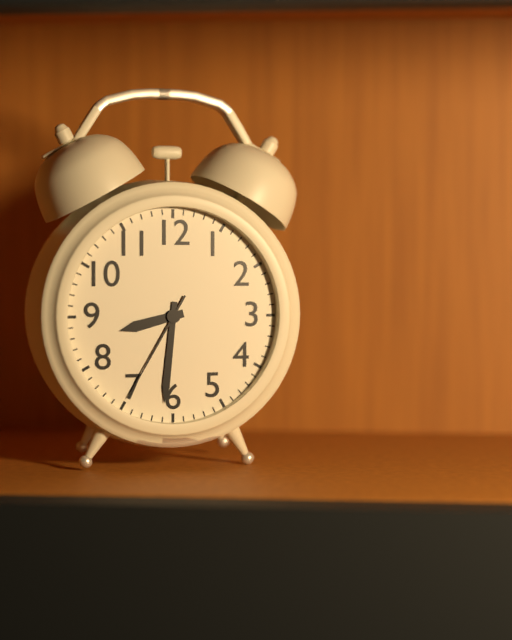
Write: 8,31,35
